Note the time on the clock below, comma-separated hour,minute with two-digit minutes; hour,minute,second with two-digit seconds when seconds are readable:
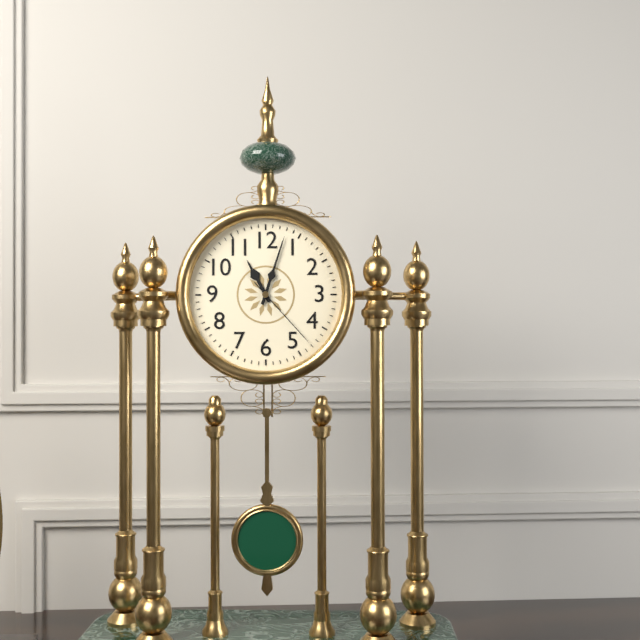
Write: 11,03,23
